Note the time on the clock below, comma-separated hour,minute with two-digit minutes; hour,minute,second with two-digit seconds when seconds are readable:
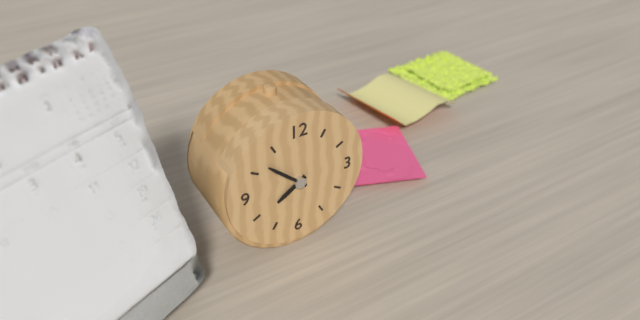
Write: 7,52
